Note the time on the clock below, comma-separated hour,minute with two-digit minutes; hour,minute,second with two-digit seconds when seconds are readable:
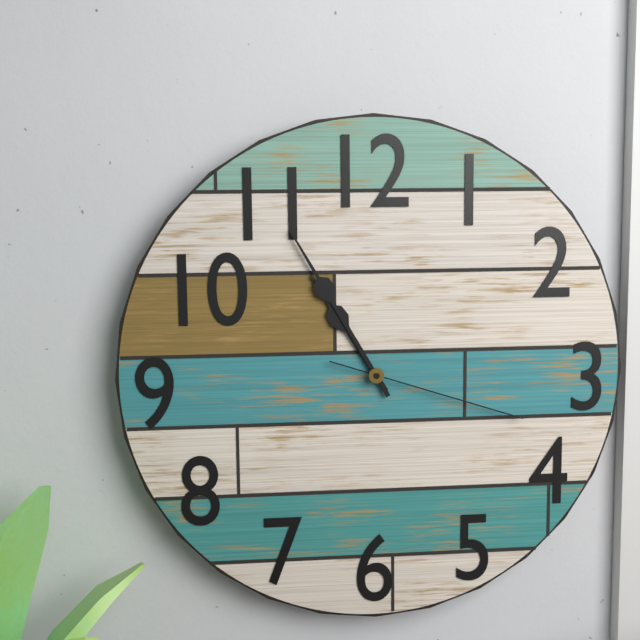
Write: 10,55,18
